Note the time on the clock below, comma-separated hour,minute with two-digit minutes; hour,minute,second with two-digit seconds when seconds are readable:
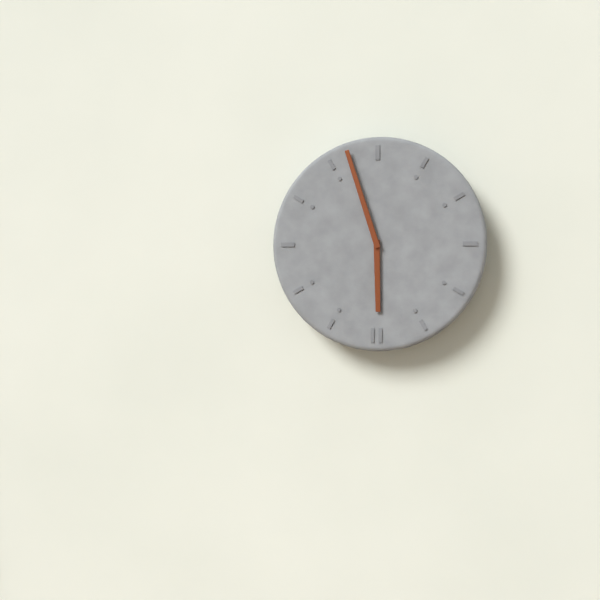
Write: 5,57
